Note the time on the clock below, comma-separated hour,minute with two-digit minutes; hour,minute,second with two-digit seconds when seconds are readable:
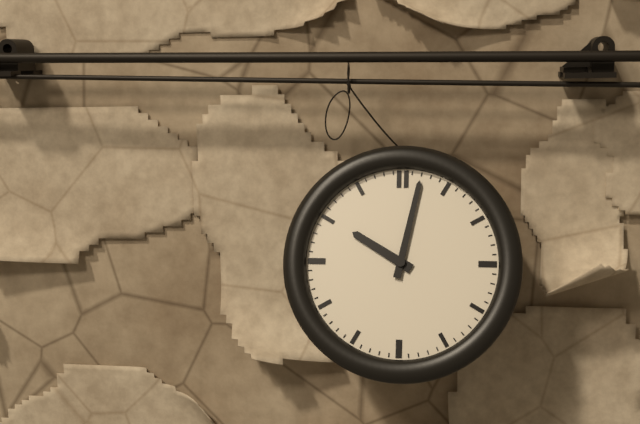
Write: 10,02
